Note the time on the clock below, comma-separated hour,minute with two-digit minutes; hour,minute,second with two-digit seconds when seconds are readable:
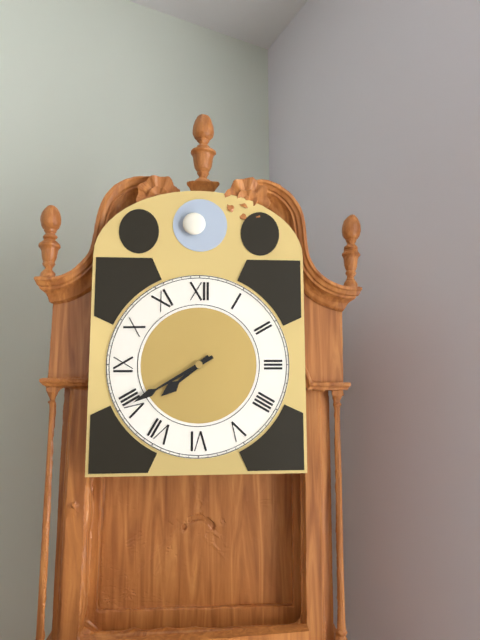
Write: 7,40
